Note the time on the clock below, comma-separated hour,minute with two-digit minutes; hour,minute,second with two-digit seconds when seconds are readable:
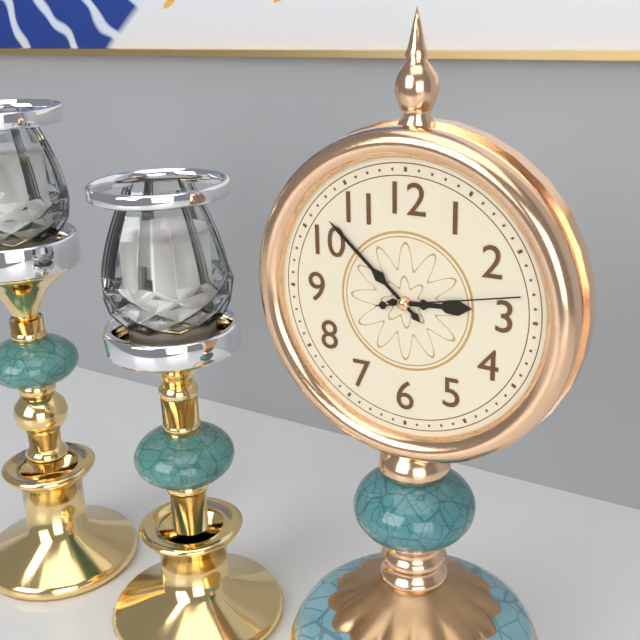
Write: 2,52,13
